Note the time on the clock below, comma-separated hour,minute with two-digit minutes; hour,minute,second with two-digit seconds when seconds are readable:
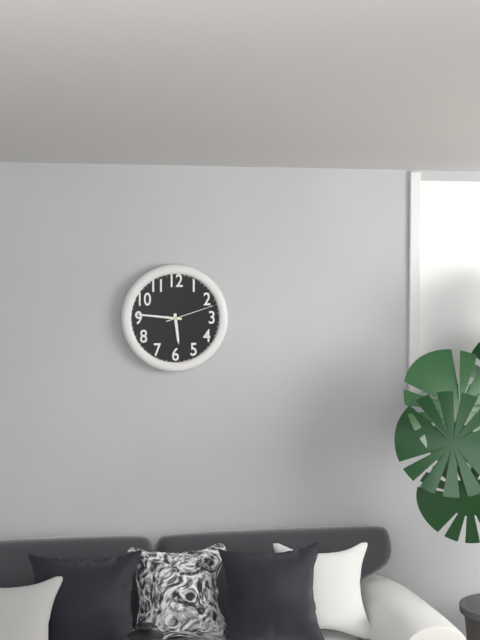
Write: 5,46,12
